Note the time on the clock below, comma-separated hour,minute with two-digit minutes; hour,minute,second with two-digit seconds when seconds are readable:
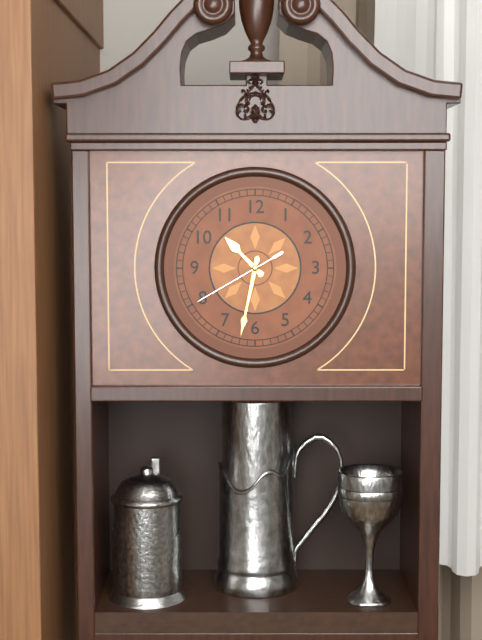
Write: 10,32,40
